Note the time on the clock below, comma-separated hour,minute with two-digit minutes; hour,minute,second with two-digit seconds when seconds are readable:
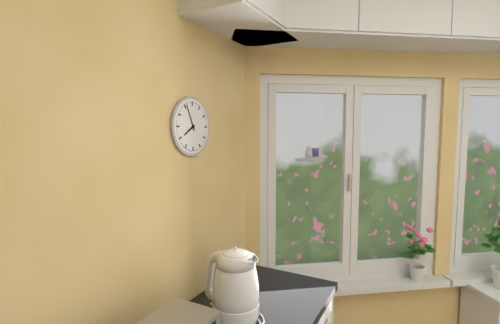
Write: 7,56
